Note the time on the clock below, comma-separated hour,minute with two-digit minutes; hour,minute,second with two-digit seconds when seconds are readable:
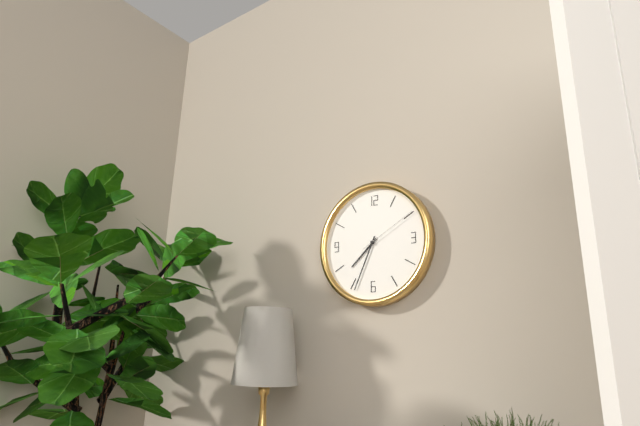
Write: 7,34,10
